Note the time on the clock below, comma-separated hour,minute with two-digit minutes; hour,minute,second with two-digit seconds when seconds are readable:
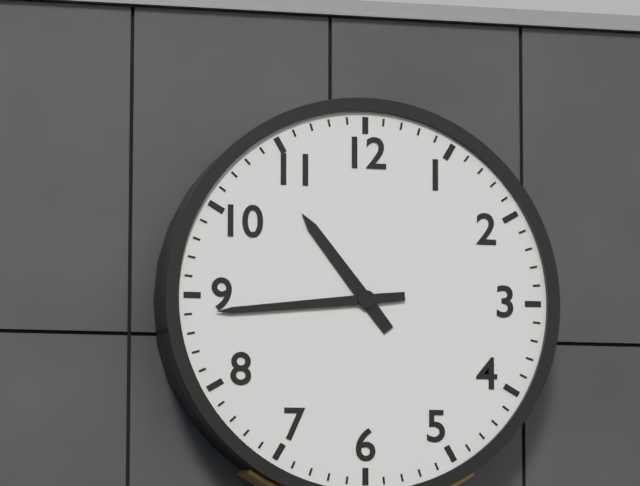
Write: 10,44
